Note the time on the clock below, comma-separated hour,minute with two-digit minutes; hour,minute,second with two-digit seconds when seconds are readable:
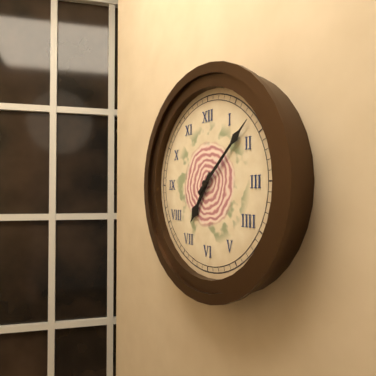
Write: 7,08
